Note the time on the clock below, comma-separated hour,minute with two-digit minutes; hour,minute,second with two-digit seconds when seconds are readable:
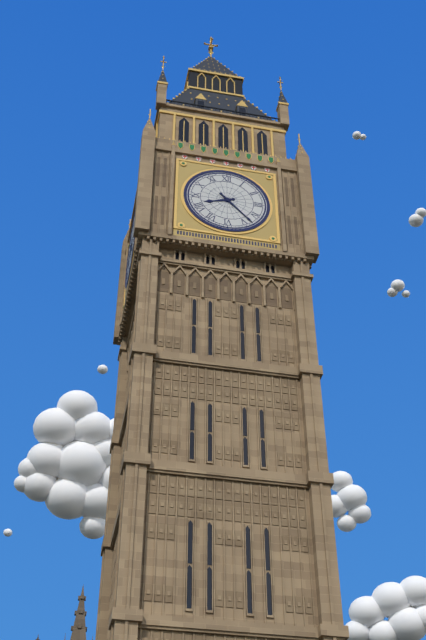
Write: 8,23
